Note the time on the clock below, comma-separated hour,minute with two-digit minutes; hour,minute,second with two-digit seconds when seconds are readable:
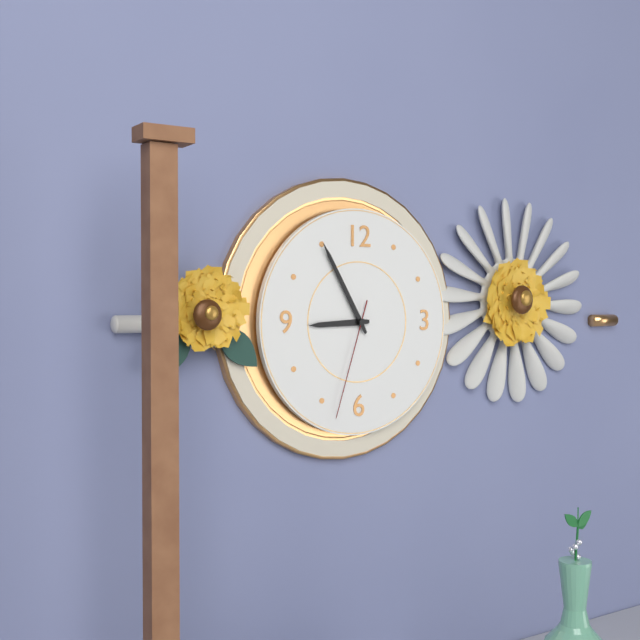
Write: 8,55,33
